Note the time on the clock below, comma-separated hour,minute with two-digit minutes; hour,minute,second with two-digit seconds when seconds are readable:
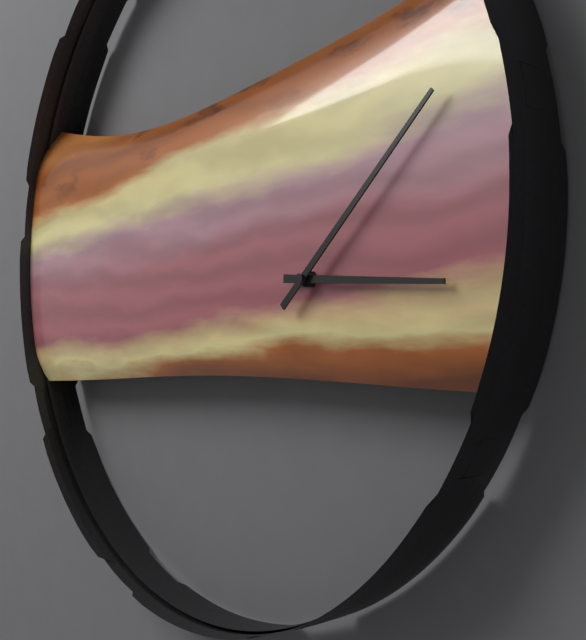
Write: 3,08
